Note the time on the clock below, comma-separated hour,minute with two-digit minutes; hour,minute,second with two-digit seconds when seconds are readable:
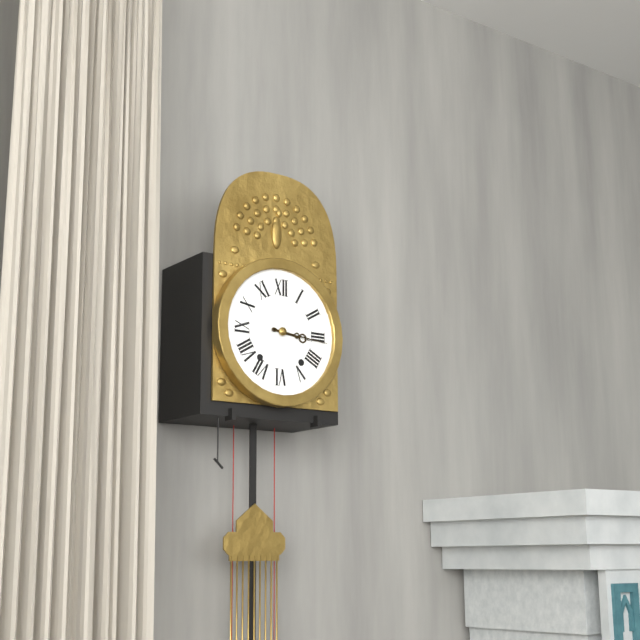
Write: 3,16
